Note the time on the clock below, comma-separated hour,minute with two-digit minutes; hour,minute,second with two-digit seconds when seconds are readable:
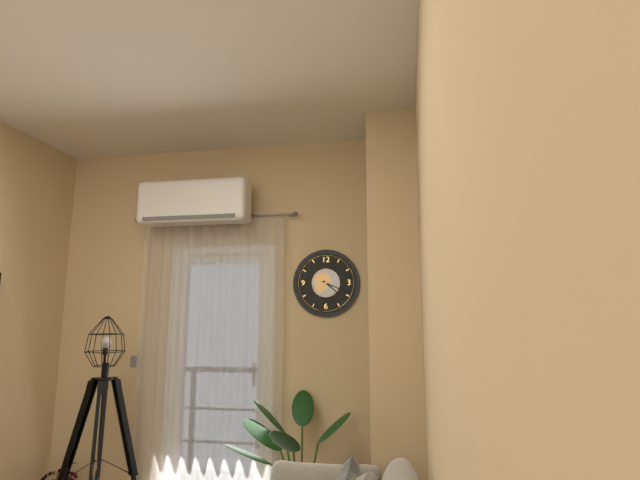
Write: 4,19
